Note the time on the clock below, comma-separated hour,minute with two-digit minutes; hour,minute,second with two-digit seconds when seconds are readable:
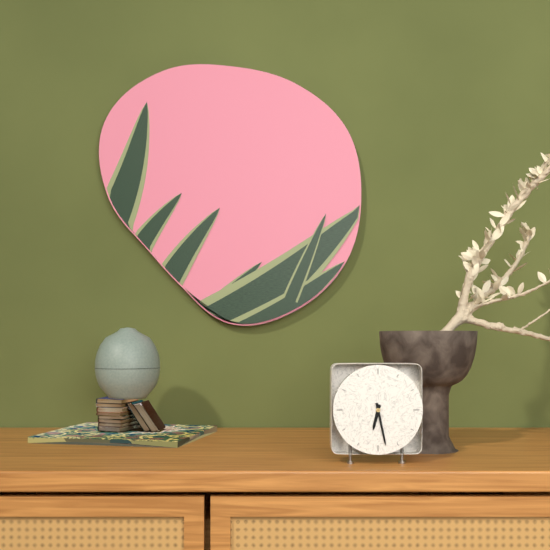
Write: 6,28
